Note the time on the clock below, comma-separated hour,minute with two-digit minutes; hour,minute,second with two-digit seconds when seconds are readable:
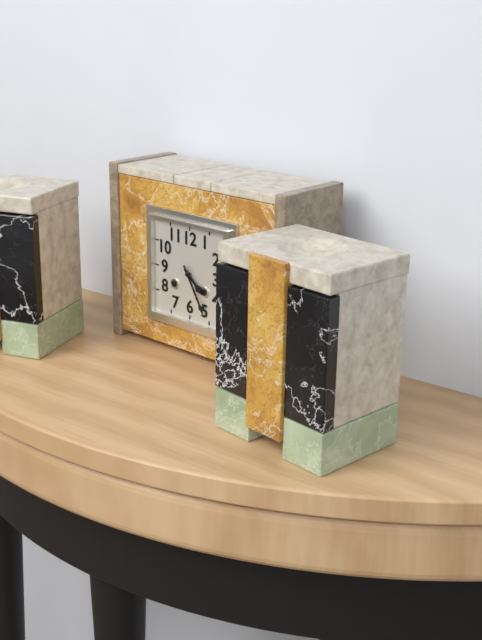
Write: 4,25
